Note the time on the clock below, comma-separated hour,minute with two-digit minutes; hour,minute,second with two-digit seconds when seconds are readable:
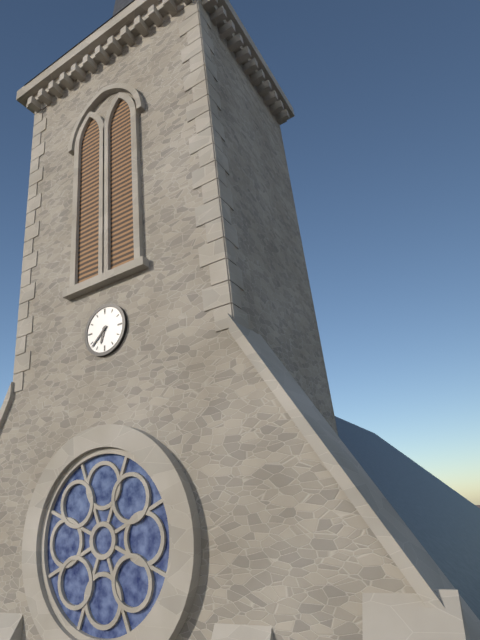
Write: 6,38
